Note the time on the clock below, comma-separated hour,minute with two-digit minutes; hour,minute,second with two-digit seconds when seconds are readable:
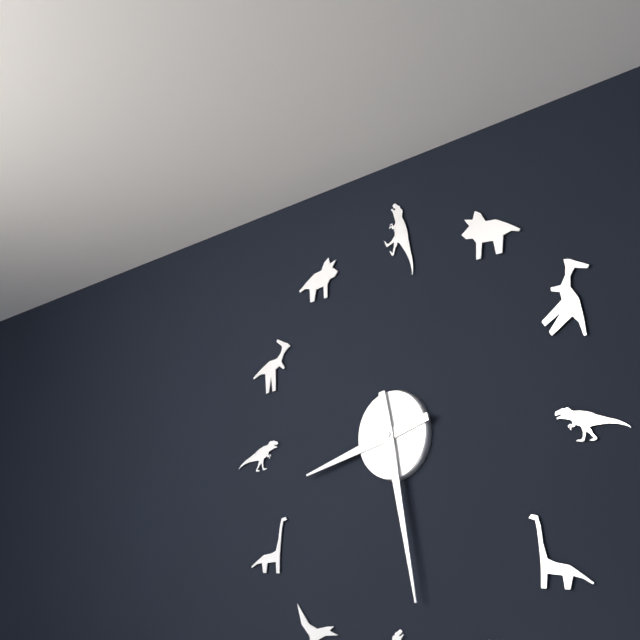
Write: 8,28
